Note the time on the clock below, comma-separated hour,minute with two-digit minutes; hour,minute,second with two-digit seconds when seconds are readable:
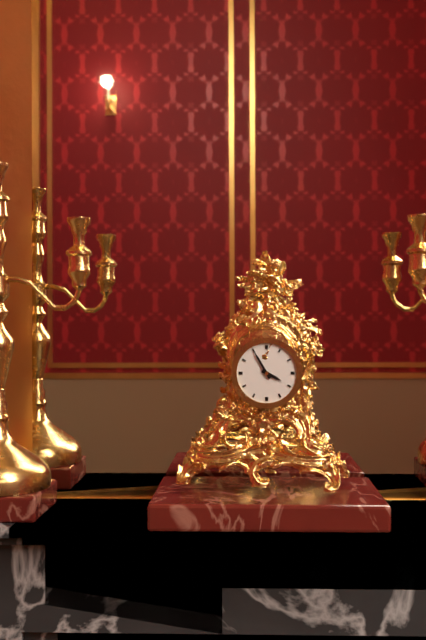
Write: 3,55
